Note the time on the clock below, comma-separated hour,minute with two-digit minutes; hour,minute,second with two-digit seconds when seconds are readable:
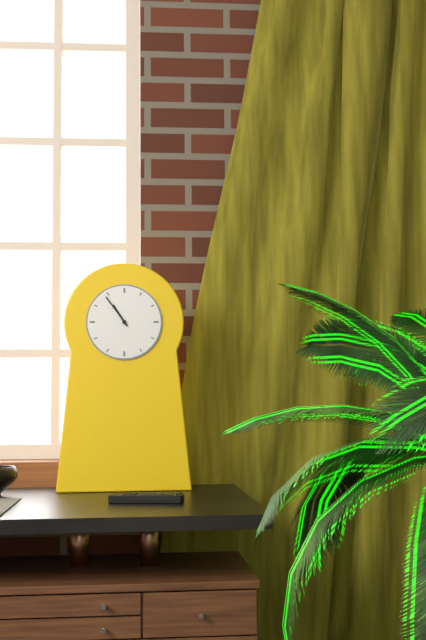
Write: 10,54
